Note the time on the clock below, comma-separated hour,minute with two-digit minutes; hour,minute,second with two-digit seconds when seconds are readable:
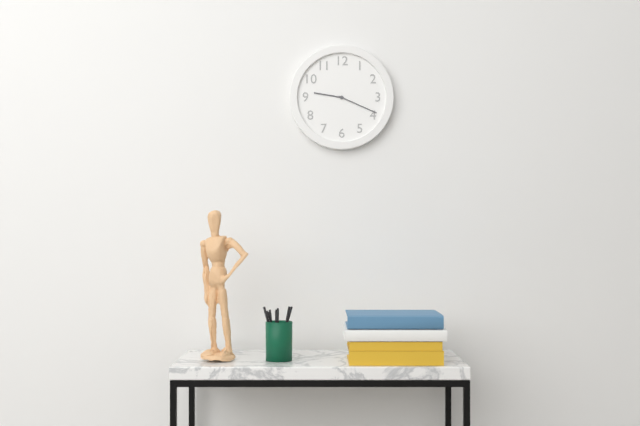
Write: 9,19
